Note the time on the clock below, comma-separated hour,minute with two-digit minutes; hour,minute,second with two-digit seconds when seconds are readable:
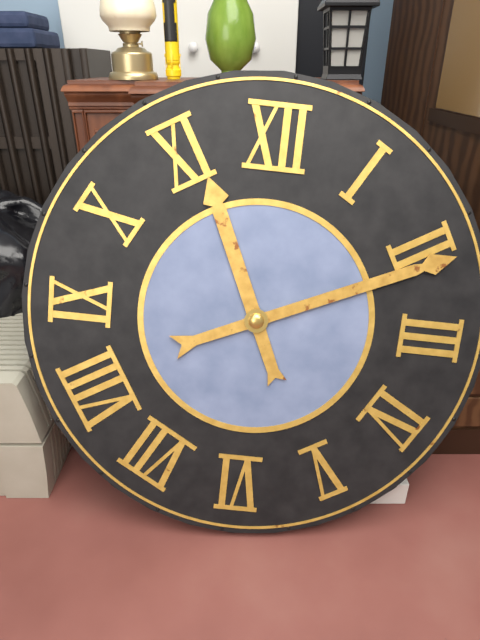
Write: 11,11
